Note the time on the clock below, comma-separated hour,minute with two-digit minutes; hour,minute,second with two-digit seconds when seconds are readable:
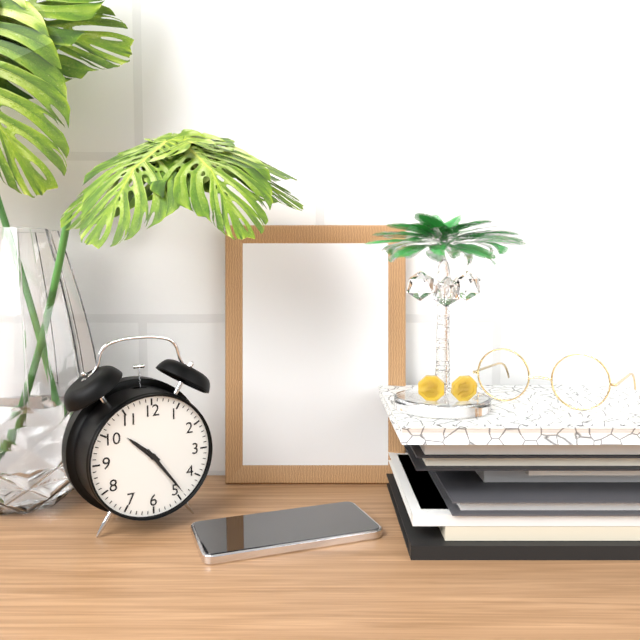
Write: 10,24
